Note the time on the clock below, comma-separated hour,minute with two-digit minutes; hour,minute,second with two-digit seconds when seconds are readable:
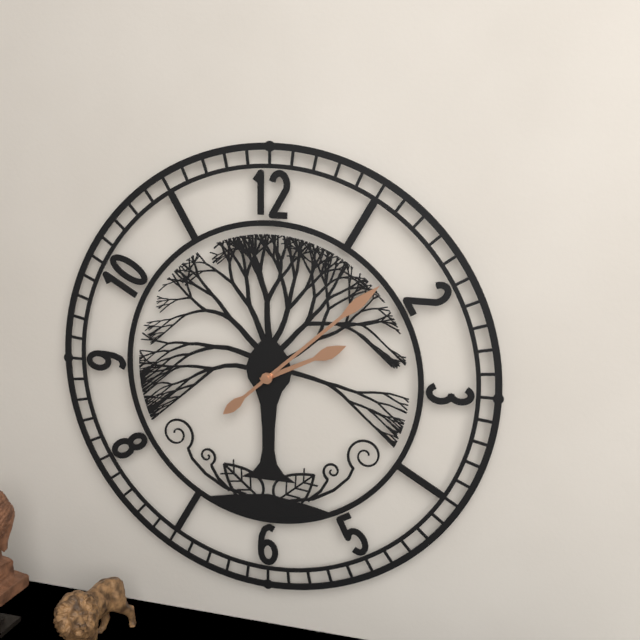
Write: 2,08
